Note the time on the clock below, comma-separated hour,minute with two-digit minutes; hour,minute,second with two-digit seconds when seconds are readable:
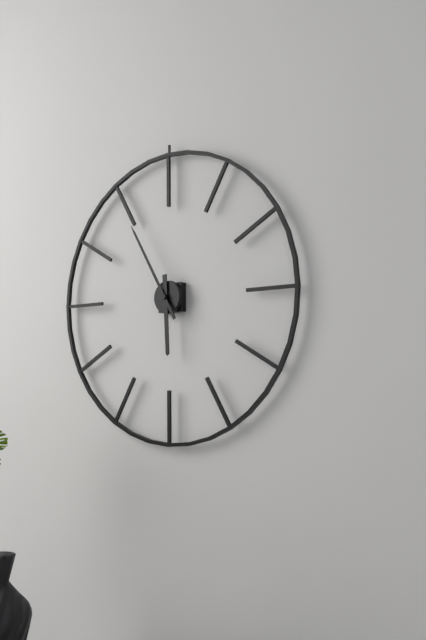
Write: 5,55
